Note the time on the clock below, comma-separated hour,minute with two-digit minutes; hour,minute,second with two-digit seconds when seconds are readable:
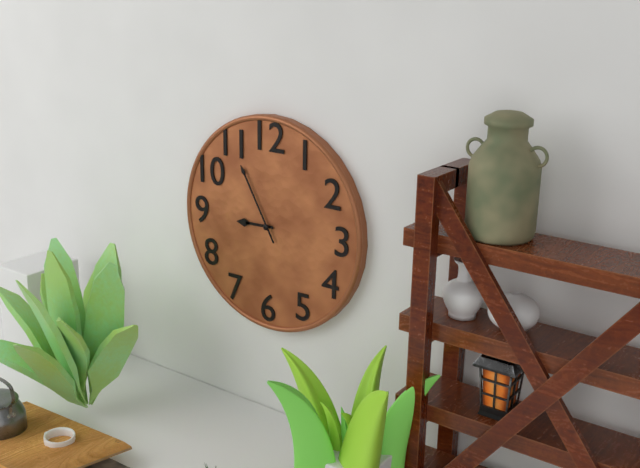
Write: 8,55
